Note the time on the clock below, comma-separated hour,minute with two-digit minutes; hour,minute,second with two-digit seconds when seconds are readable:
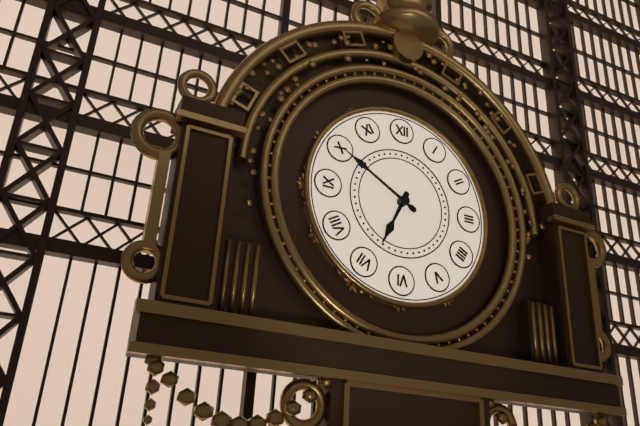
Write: 6,50
